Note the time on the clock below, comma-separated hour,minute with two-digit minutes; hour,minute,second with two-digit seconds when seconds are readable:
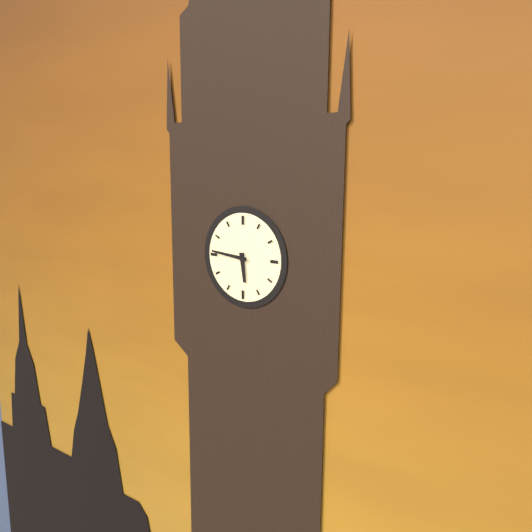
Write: 5,46
